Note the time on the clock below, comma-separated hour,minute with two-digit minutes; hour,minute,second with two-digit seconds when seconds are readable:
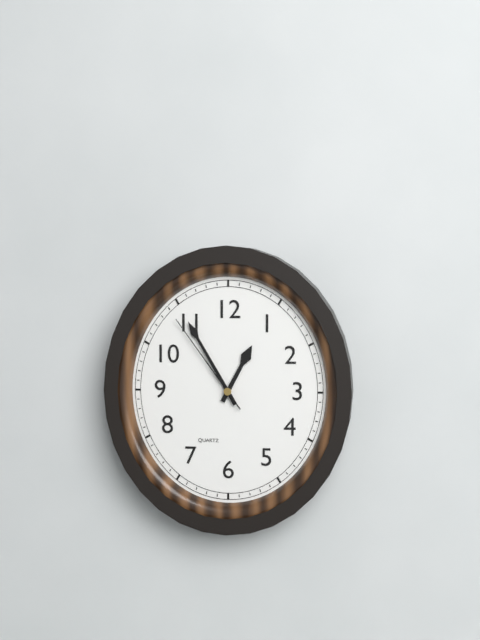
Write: 12,55,54
